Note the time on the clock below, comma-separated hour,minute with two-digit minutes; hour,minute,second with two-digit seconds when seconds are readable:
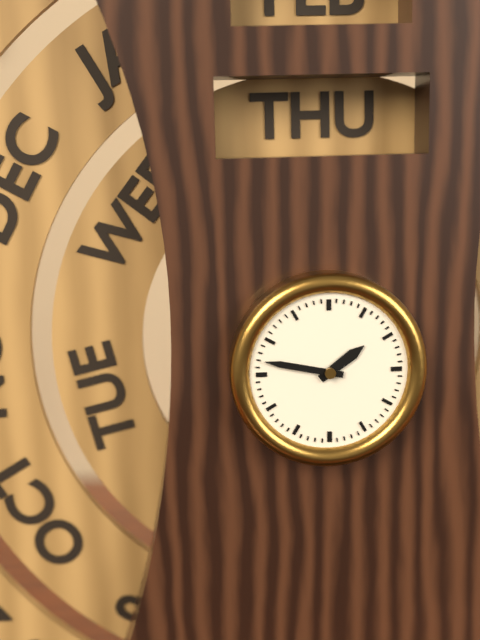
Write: 1,47
